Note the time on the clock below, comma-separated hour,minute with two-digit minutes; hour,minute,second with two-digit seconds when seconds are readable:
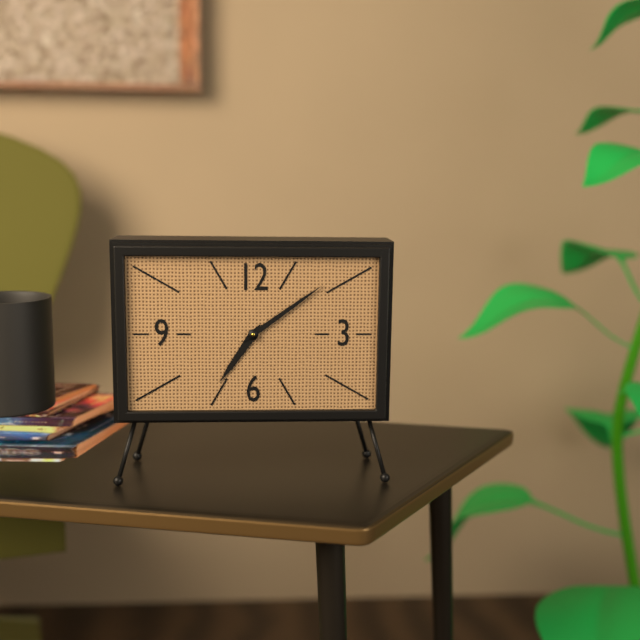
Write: 7,09
